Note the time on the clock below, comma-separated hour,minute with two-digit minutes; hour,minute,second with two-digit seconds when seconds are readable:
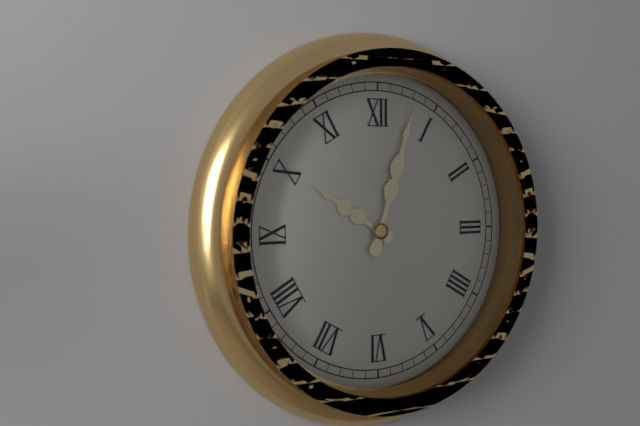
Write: 10,03
